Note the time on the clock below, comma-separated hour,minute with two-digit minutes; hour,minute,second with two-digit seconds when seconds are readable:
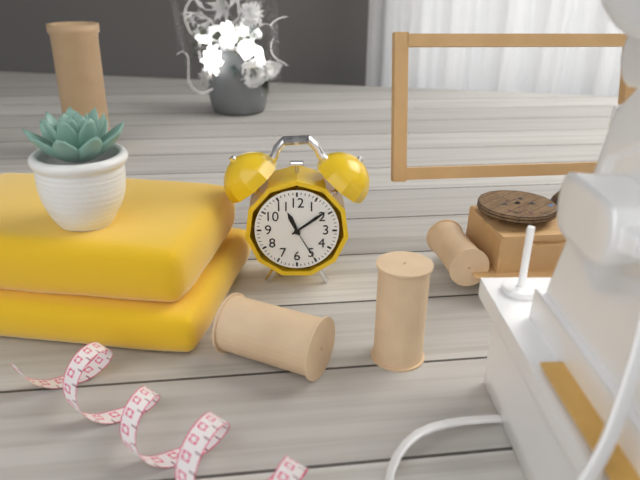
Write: 11,09
